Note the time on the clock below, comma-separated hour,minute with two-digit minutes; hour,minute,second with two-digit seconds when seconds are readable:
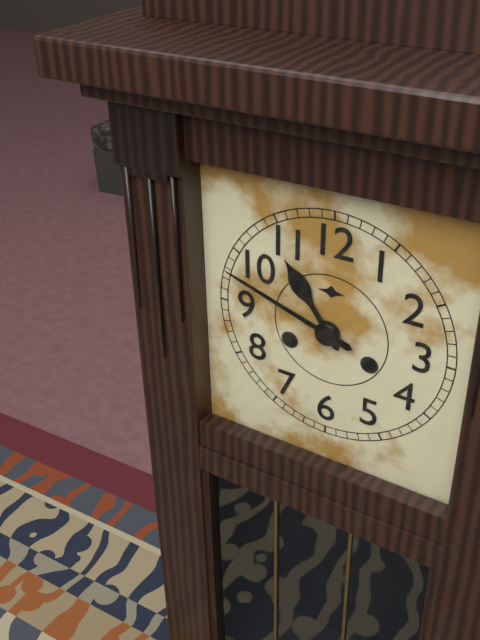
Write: 10,48
